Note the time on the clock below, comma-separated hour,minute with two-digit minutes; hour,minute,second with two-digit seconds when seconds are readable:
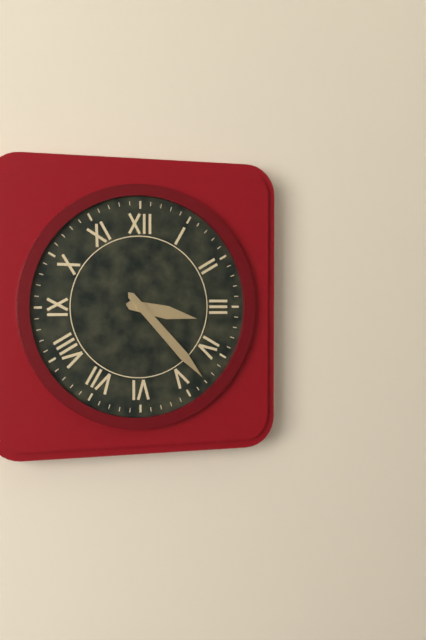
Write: 3,23
